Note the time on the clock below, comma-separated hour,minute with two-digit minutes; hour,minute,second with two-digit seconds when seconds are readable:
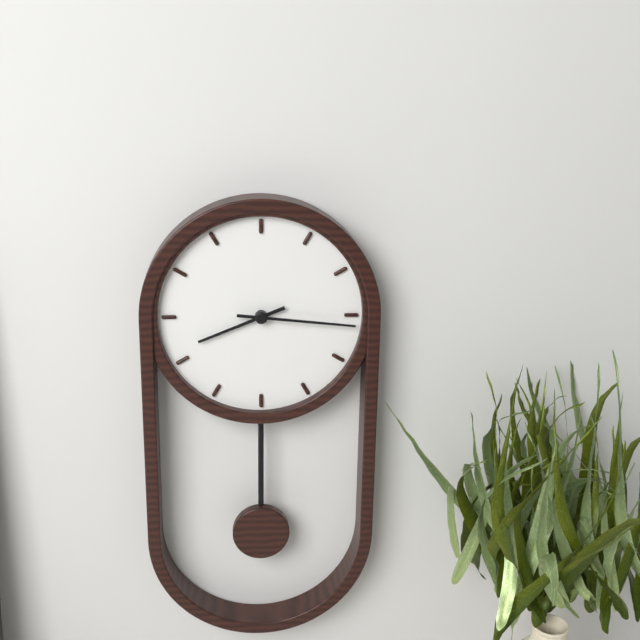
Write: 8,16
